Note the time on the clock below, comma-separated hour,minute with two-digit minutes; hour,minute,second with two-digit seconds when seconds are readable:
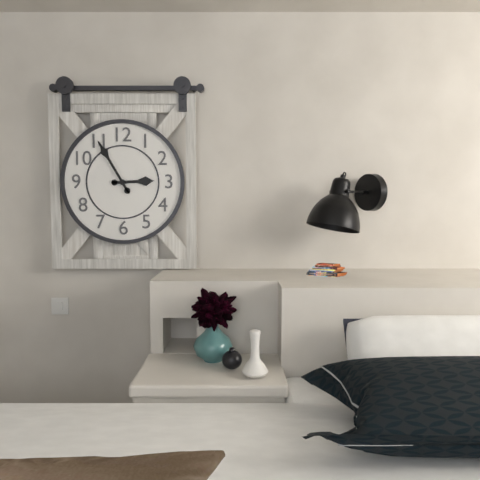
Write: 2,55
